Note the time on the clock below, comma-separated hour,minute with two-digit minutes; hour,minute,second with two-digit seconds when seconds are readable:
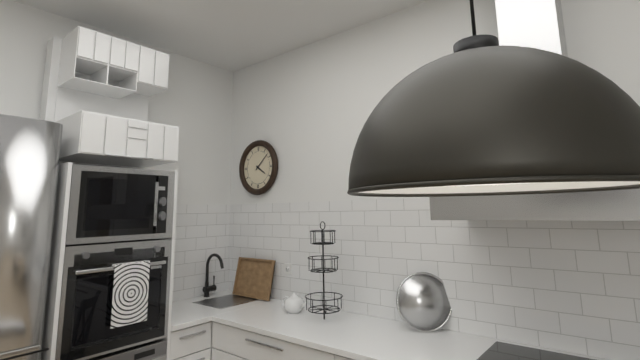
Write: 4,08
